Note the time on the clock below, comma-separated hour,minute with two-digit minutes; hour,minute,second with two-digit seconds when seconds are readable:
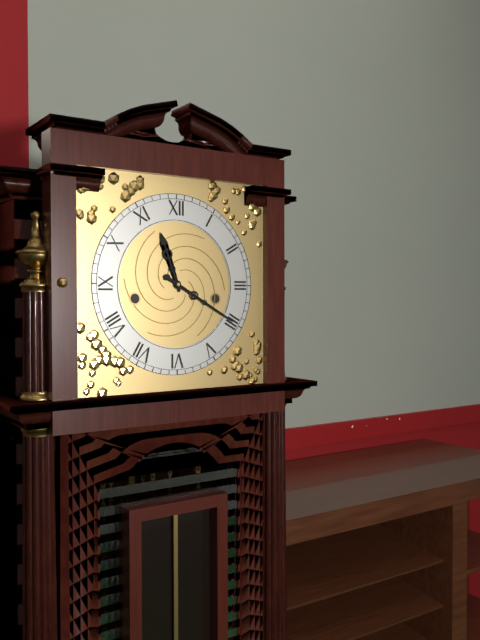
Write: 11,20
